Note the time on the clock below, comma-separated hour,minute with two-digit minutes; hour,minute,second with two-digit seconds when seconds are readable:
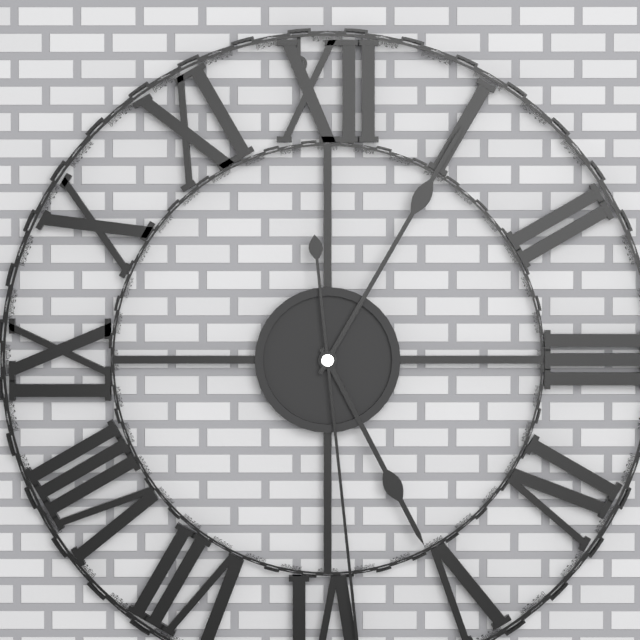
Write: 5,05
